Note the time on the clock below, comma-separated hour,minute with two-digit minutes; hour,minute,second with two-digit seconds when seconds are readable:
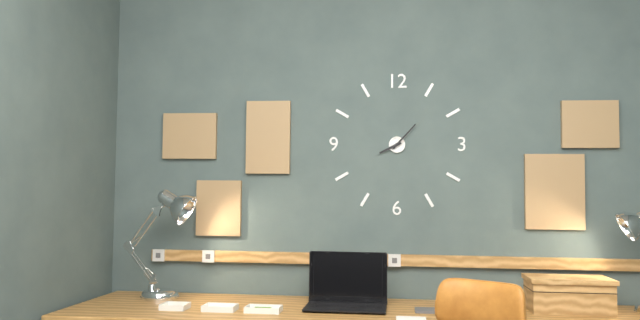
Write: 8,07
